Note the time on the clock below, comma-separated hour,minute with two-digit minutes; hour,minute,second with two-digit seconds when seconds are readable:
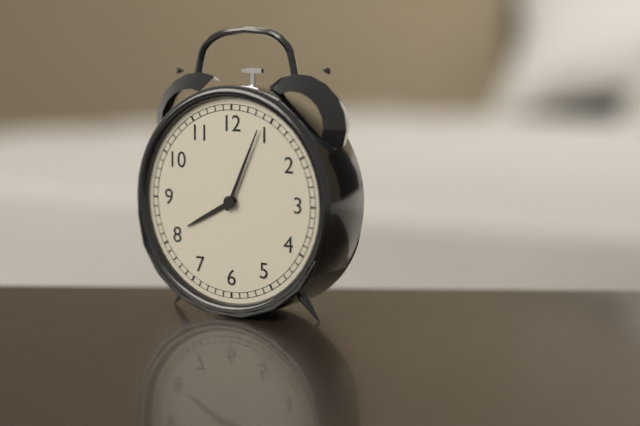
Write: 8,04
